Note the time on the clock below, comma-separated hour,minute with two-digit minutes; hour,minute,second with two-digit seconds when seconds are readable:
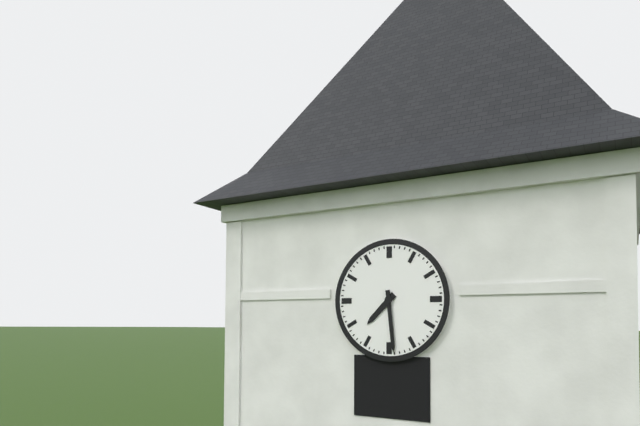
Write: 7,29
